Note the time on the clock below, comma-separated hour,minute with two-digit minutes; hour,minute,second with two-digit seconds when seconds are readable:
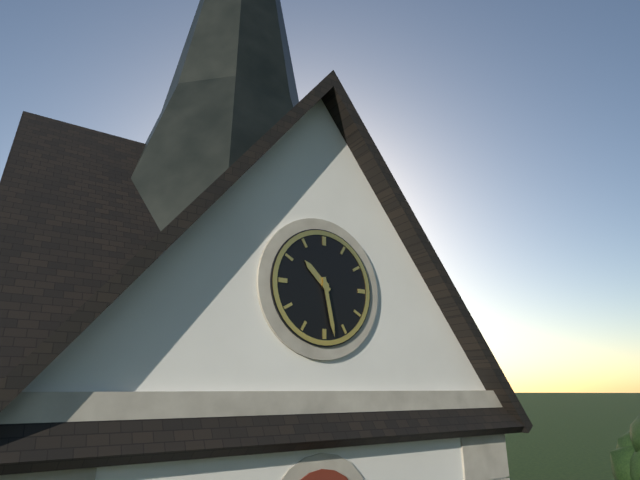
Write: 10,28
